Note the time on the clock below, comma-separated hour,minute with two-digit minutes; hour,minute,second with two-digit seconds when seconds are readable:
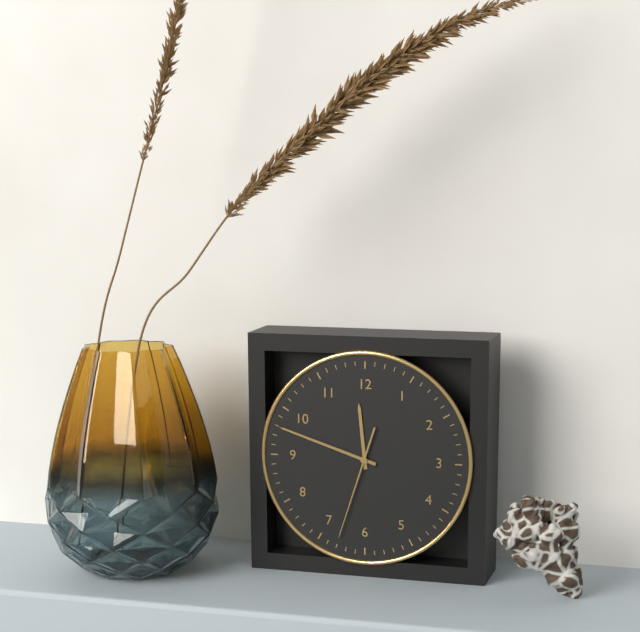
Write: 11,48,33
